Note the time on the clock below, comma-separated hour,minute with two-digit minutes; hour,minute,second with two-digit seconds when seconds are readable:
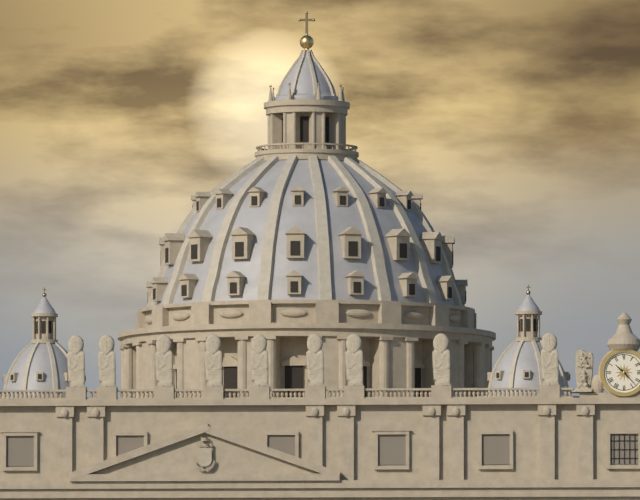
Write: 10,23
